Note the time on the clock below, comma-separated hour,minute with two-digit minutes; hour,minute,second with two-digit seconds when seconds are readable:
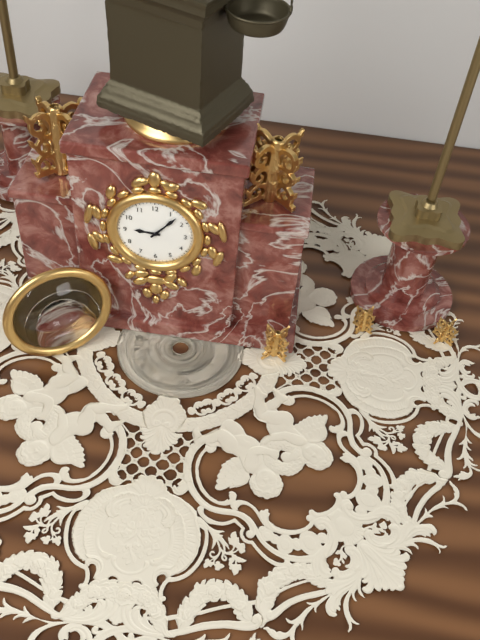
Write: 9,07
